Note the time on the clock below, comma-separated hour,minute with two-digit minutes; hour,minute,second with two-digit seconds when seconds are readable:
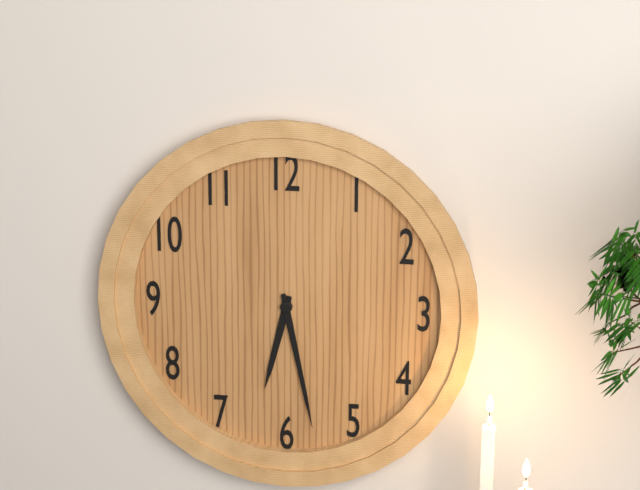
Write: 6,28
